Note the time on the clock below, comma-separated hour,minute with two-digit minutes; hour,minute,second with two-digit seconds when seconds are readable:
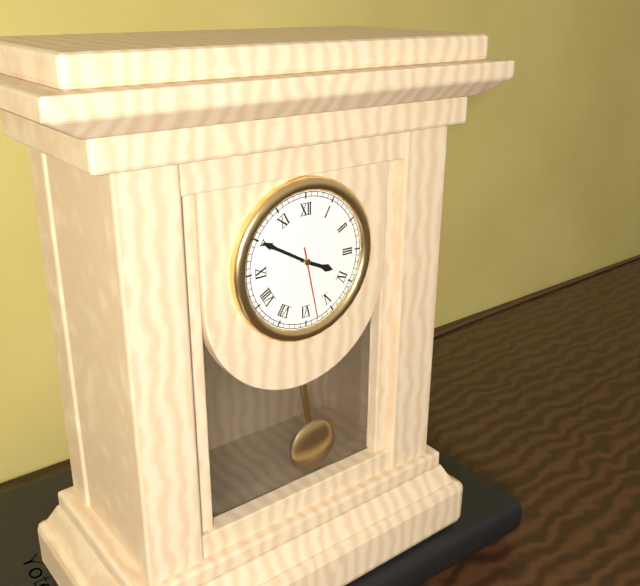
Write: 3,50,28
